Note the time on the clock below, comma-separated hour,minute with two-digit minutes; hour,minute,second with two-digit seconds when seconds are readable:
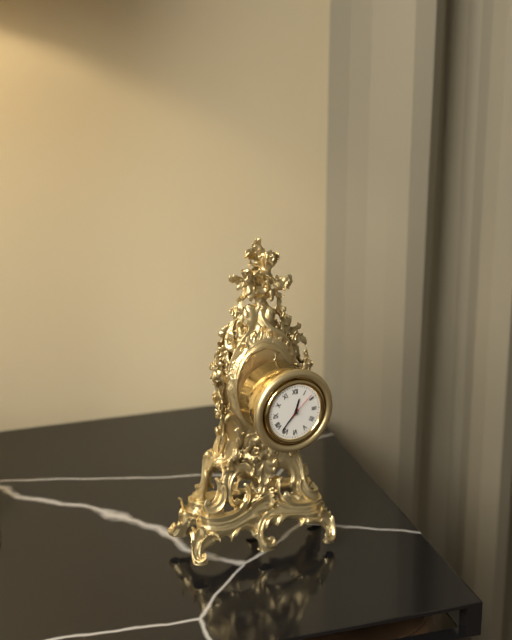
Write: 12,37
